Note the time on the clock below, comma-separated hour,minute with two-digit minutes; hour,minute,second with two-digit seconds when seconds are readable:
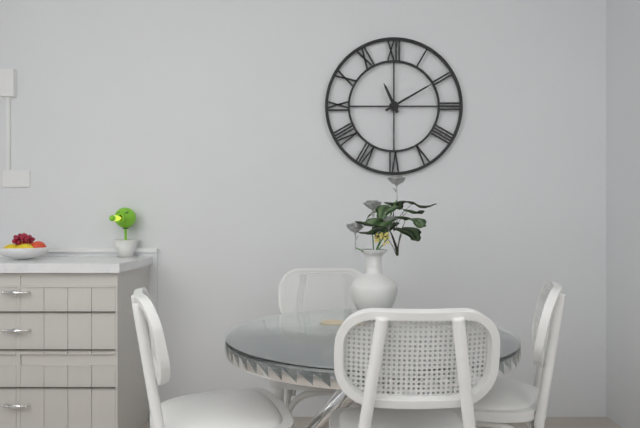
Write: 11,10
